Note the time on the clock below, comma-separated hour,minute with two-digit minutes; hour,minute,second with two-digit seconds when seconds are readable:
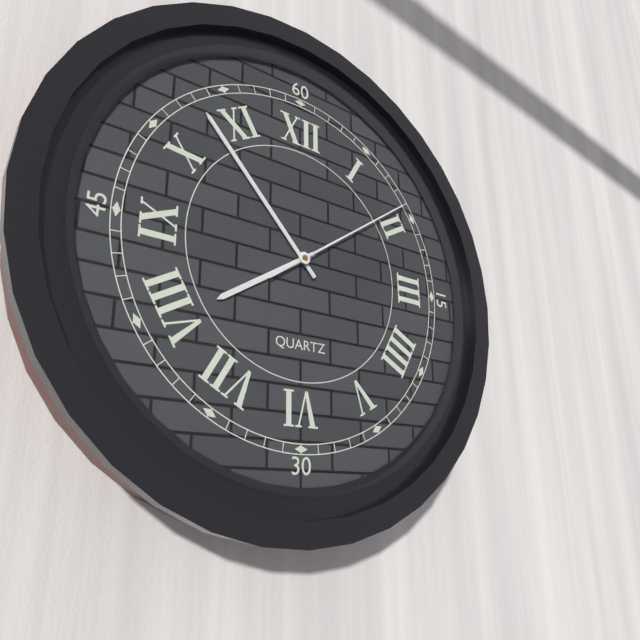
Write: 7,53,09
